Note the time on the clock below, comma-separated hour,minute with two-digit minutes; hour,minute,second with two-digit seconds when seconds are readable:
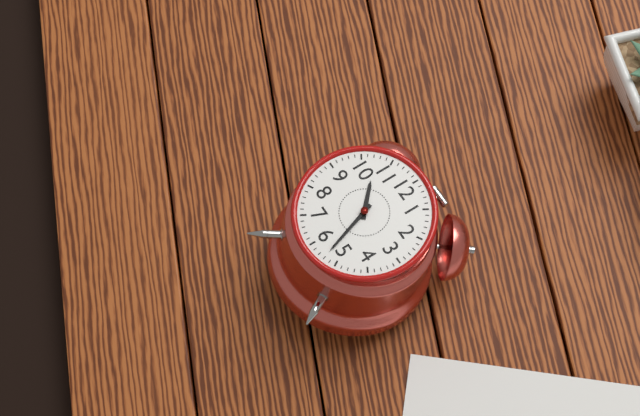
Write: 10,27
